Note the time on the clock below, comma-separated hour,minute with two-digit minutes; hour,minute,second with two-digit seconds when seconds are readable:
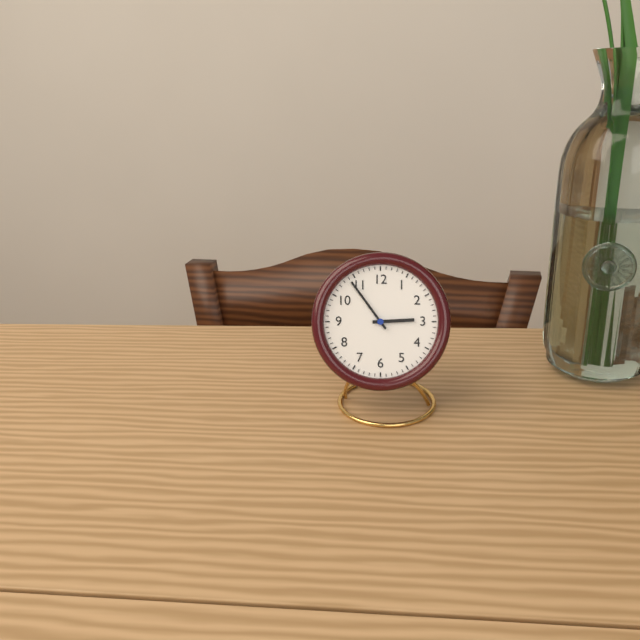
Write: 2,54
